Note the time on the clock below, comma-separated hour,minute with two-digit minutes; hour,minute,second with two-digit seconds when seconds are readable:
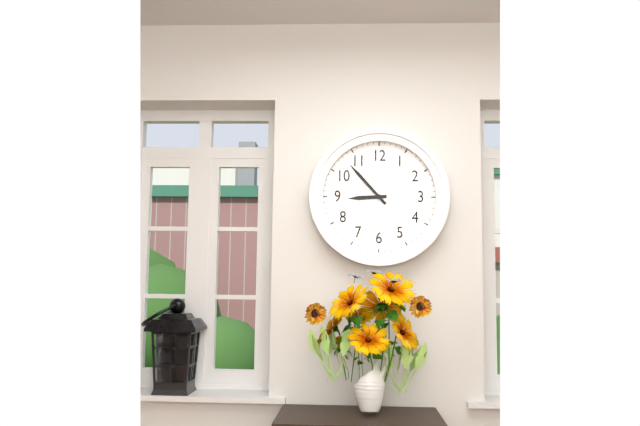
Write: 8,53
